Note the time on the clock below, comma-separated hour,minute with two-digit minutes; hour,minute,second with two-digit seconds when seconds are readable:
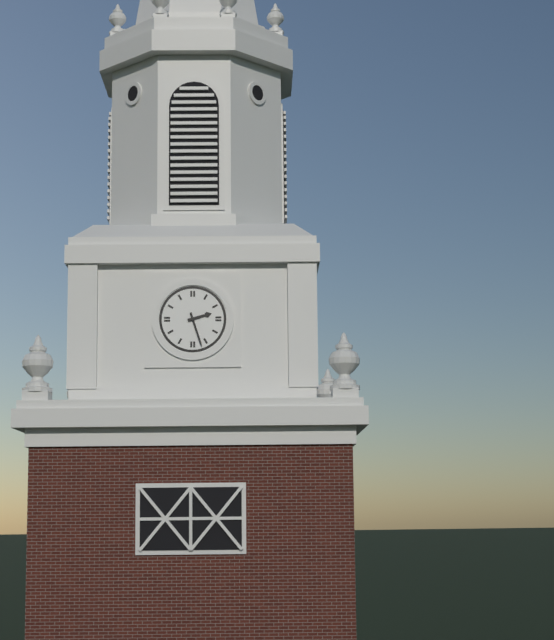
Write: 2,27
